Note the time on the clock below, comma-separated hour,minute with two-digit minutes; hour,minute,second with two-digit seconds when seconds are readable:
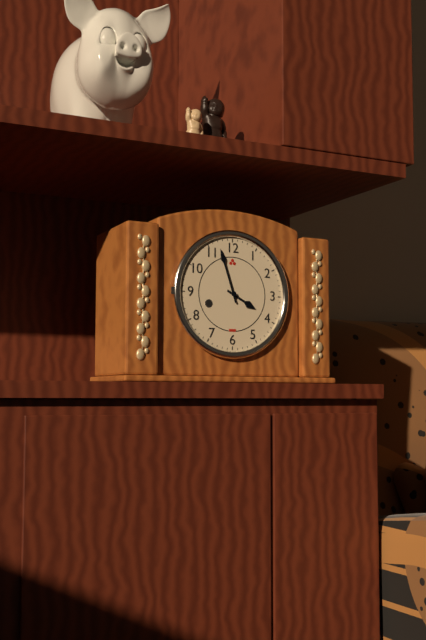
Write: 3,57
